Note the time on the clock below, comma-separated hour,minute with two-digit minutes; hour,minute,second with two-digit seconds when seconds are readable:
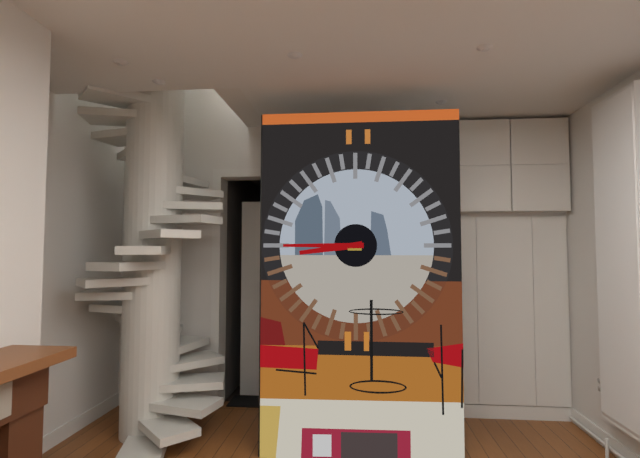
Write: 8,45
